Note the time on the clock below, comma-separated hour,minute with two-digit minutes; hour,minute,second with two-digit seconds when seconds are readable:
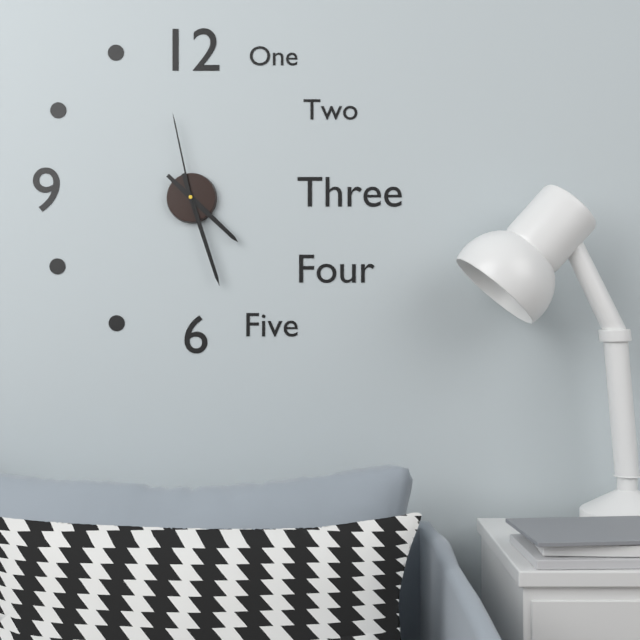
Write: 4,27,58
